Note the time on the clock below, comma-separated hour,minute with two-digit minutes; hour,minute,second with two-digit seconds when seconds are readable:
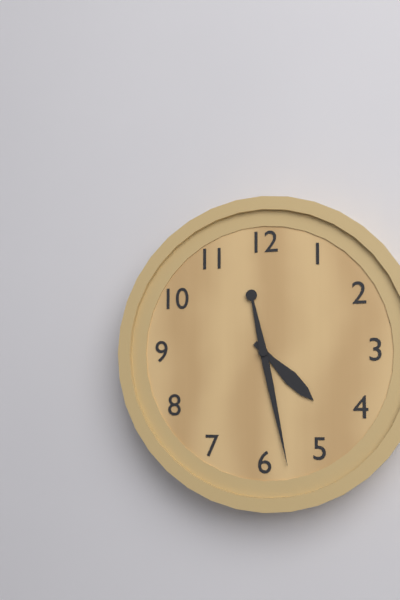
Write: 4,28
